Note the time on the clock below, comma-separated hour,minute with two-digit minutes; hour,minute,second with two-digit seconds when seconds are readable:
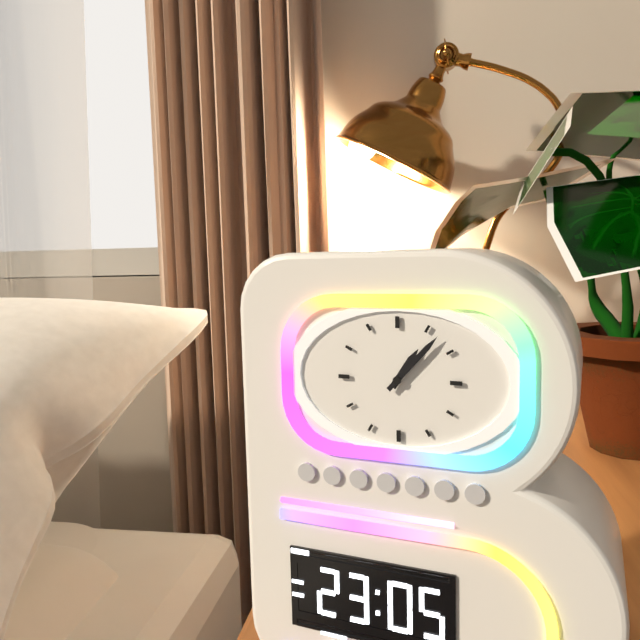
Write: 1,07
